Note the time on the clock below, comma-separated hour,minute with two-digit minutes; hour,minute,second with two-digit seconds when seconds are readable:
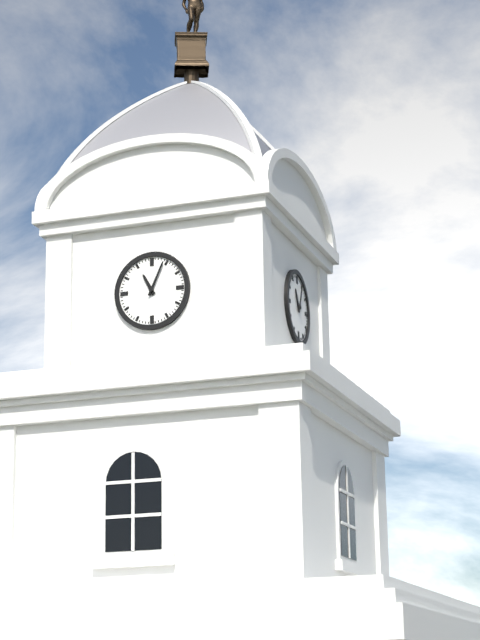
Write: 11,04
